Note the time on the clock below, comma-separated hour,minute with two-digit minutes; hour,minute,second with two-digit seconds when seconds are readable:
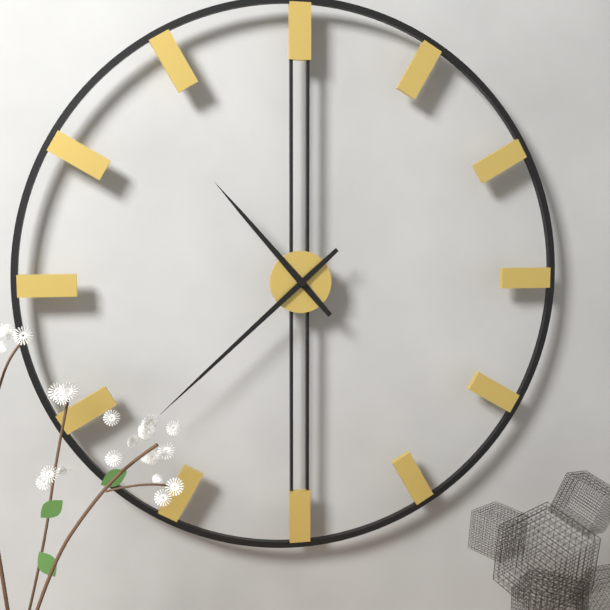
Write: 10,38
